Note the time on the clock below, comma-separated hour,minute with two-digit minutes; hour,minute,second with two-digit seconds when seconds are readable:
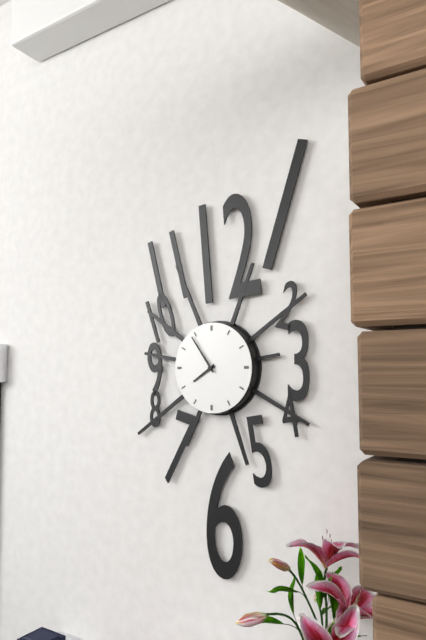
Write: 7,54
